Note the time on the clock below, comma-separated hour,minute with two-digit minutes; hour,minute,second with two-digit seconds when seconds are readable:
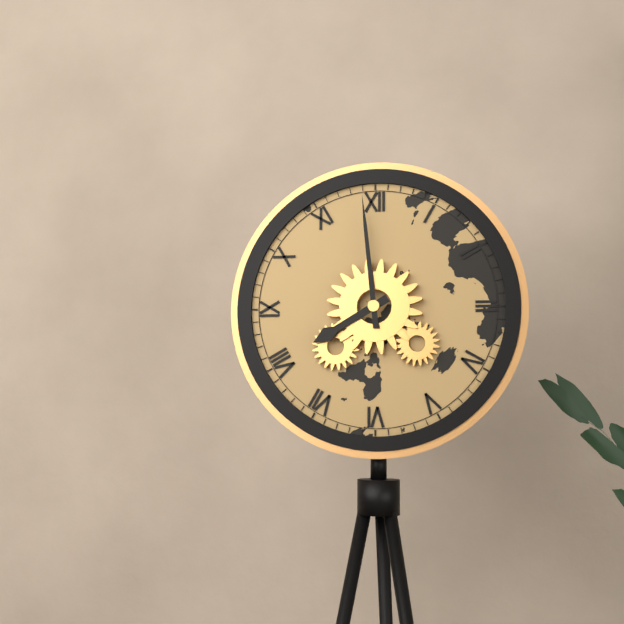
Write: 7,59
